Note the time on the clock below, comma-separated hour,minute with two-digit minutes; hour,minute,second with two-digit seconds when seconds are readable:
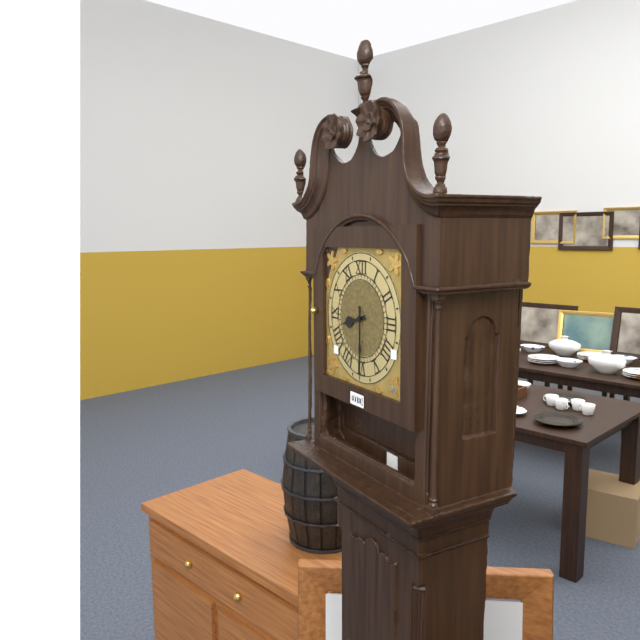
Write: 8,30
